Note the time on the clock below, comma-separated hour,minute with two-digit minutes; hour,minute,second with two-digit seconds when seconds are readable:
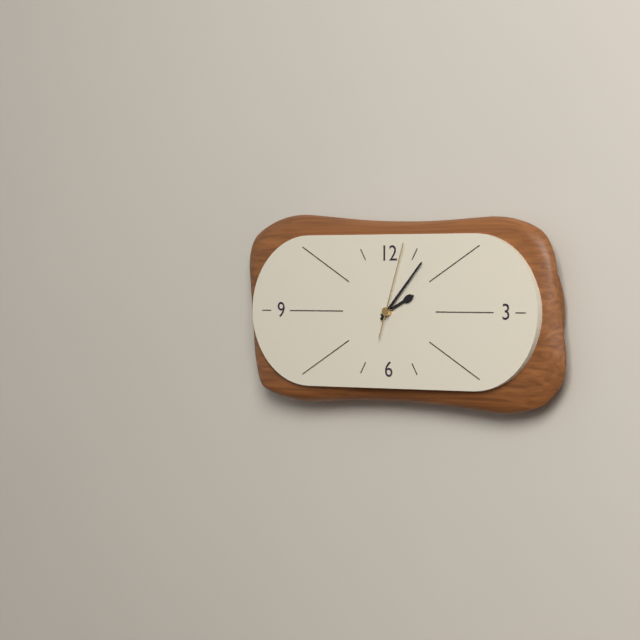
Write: 2,07,03
